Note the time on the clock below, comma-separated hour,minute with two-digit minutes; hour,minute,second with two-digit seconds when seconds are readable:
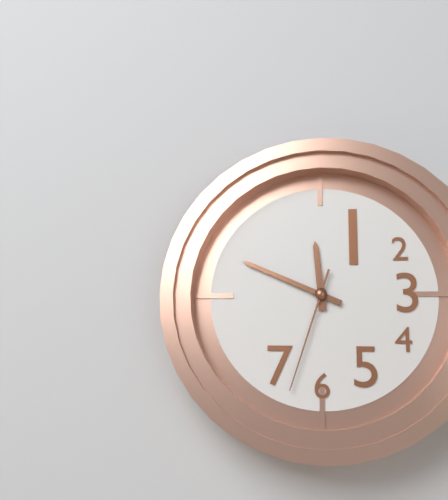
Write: 11,49,33
